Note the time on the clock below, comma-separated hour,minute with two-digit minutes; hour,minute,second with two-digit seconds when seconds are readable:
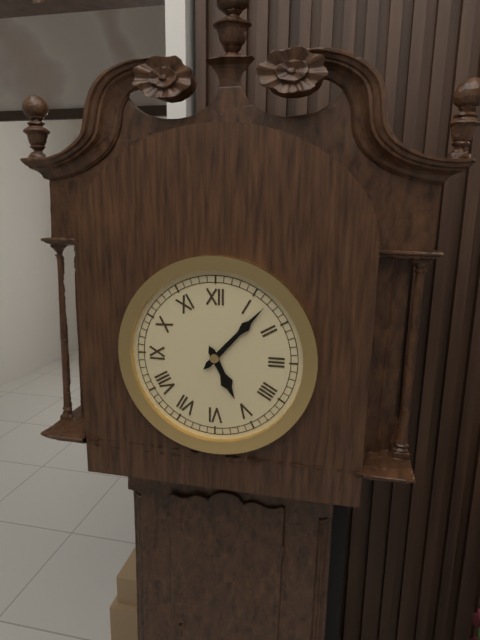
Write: 5,07
